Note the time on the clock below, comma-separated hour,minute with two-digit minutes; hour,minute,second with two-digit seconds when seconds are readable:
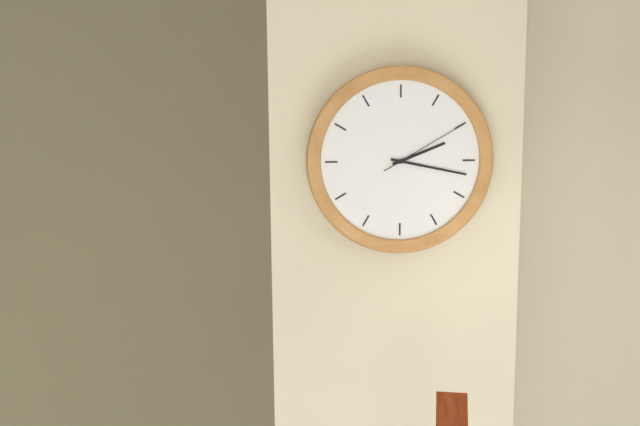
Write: 2,17,10
